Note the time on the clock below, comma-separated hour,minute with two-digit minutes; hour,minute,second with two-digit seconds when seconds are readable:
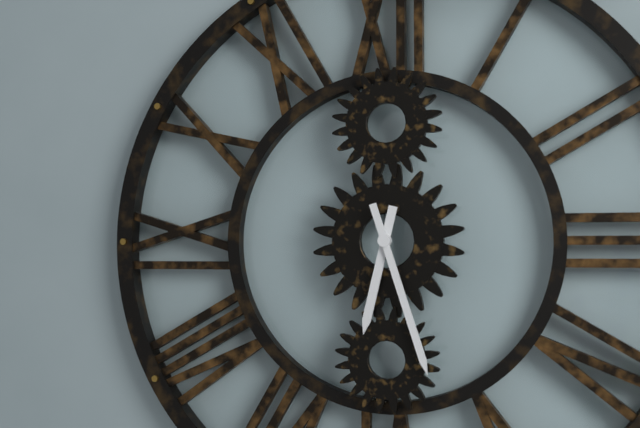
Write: 6,27
